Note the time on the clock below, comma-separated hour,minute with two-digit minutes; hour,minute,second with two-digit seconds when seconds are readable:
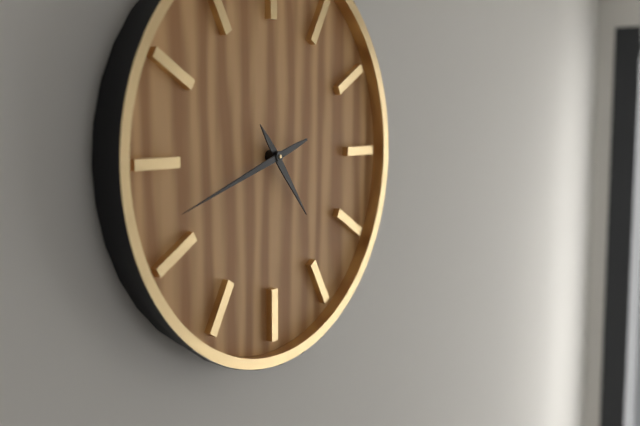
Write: 4,42
